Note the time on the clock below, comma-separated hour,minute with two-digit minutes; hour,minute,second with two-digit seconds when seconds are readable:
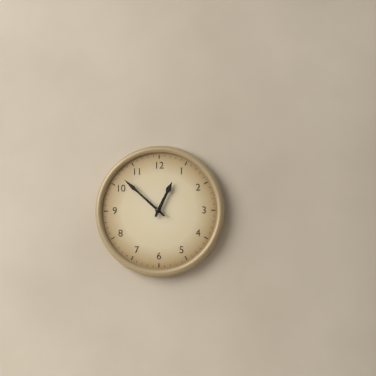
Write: 12,52
